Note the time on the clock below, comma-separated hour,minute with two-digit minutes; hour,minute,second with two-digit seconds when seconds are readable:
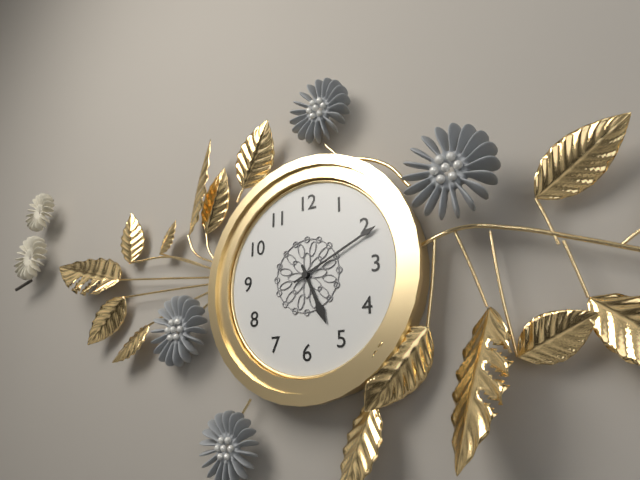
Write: 5,11
